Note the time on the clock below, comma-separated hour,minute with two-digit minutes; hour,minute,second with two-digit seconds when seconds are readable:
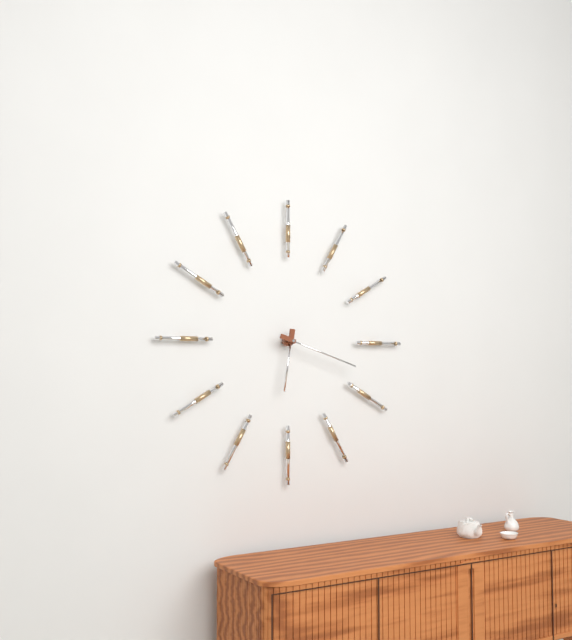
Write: 6,18
